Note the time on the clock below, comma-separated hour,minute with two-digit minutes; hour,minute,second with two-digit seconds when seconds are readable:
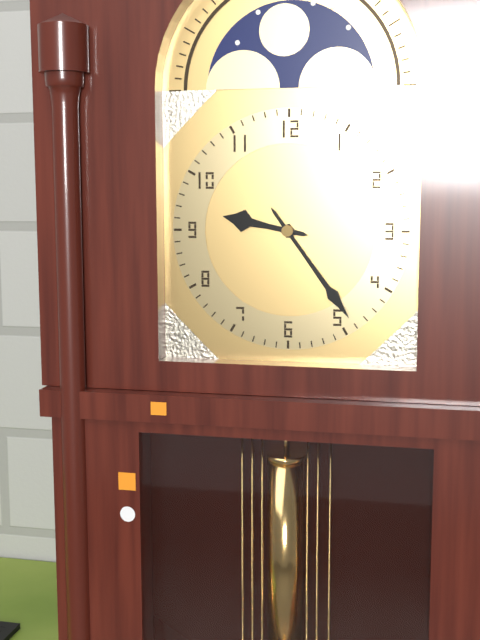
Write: 9,24
